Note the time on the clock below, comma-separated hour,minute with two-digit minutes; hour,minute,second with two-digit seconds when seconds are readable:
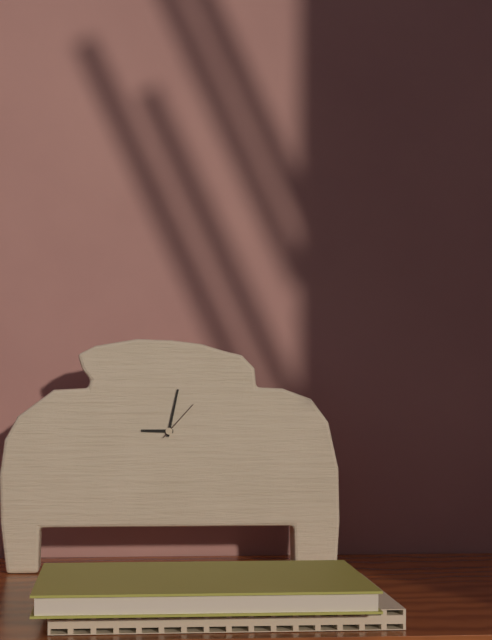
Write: 9,02
